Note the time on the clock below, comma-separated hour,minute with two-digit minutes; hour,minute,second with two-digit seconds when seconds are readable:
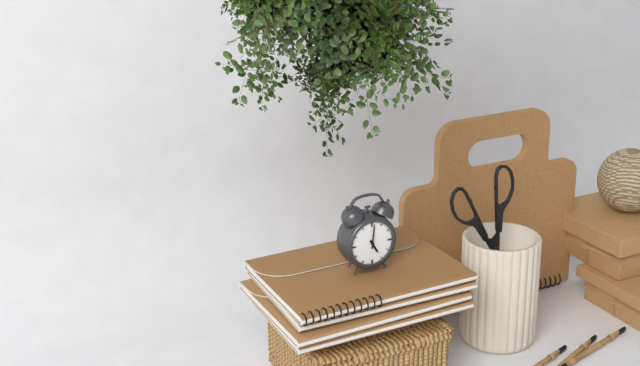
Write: 5,01
